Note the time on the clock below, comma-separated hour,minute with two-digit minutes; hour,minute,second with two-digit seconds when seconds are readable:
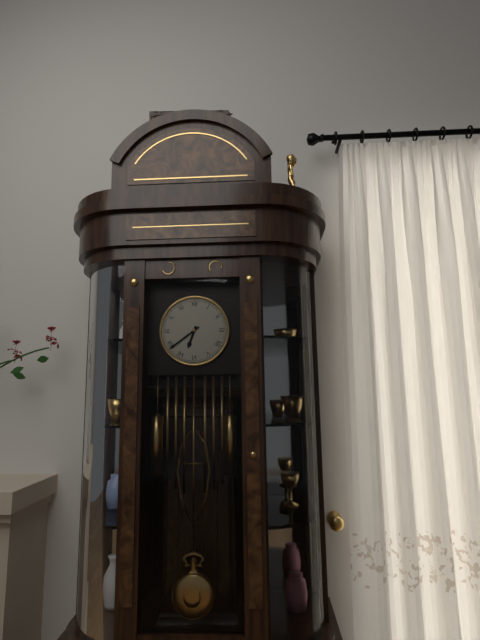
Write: 6,39
